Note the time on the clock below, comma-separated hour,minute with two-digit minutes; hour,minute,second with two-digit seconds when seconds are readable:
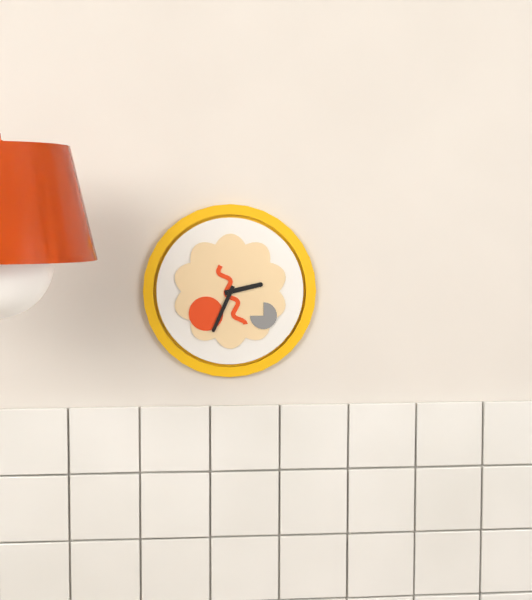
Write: 2,34
